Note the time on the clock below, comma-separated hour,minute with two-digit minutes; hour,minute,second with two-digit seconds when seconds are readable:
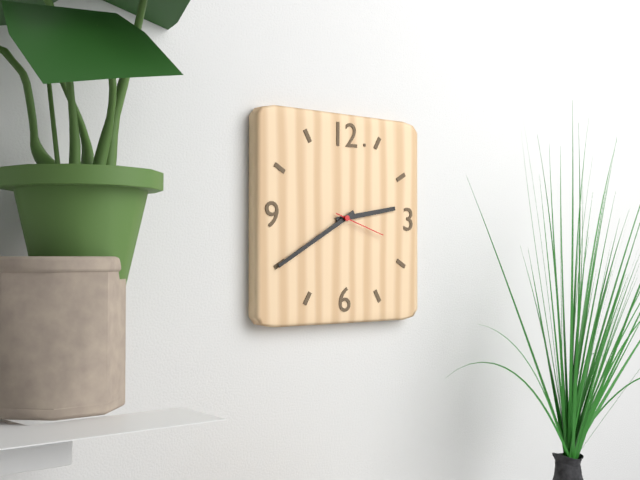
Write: 2,40,18
